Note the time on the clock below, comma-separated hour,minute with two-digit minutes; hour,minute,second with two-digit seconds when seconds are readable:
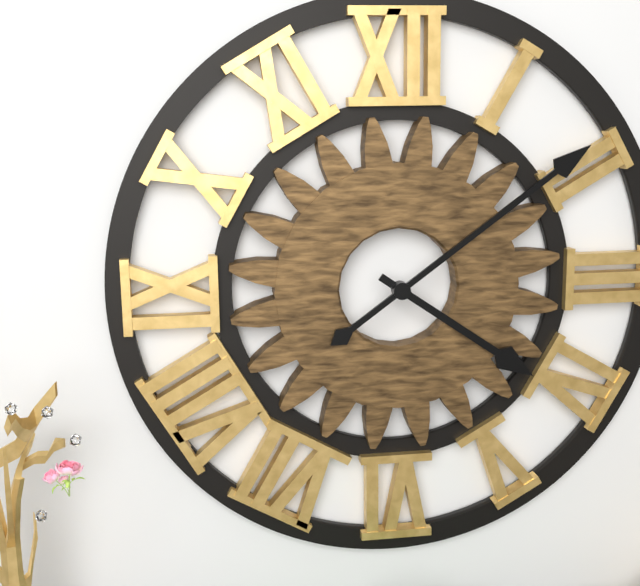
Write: 4,09
